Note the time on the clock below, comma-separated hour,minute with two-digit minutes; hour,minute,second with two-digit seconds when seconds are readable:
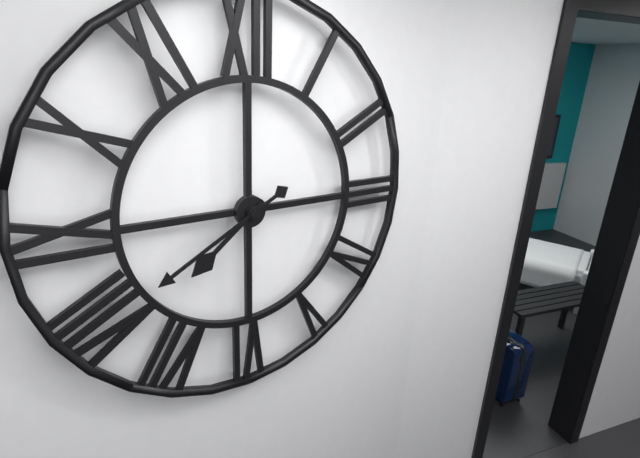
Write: 7,40
